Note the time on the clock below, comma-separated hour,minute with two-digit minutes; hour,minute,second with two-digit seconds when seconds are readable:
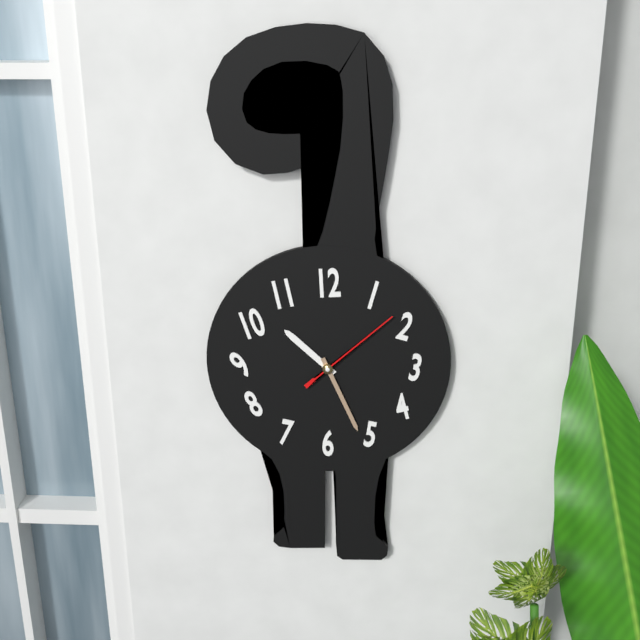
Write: 10,26,08
